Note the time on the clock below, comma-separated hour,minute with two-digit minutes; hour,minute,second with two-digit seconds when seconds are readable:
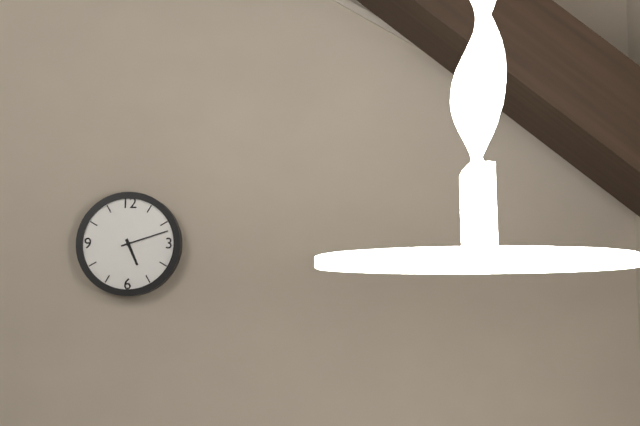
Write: 5,12
